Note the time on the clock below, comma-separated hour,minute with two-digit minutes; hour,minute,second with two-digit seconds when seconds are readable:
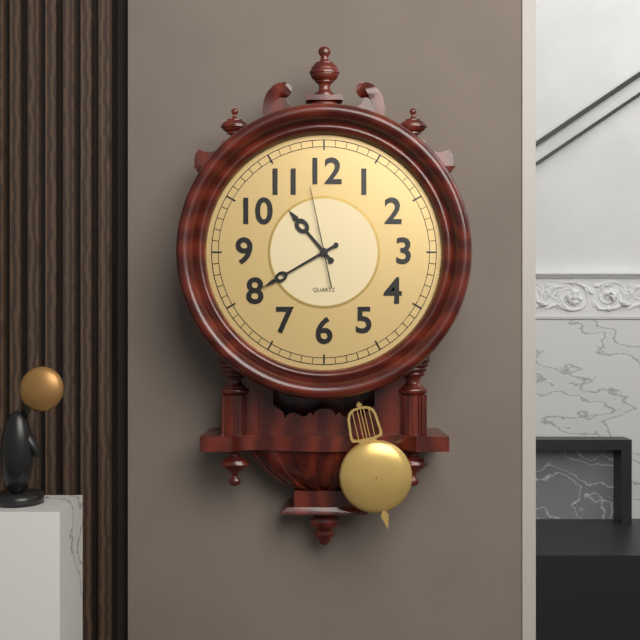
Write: 10,40,58
